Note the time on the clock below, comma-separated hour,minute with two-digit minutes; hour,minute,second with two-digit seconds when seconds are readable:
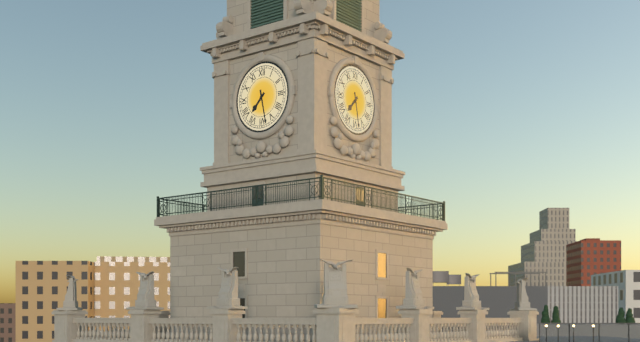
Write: 7,28
